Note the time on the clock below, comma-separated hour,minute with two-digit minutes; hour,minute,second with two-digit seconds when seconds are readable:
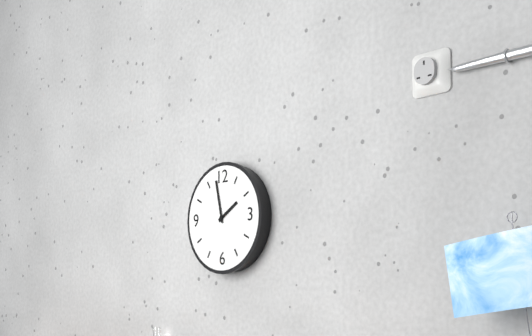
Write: 1,58
